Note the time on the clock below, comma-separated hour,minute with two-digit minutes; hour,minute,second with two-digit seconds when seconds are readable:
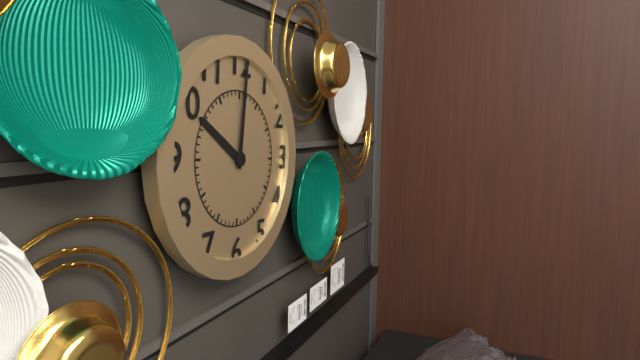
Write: 10,01
